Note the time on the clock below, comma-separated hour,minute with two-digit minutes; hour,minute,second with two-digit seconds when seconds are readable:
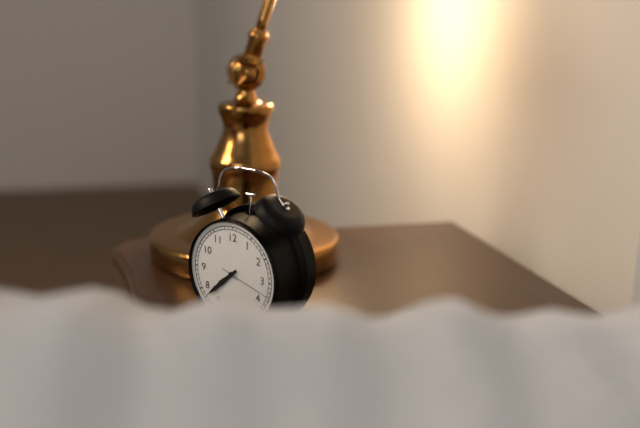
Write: 7,38
